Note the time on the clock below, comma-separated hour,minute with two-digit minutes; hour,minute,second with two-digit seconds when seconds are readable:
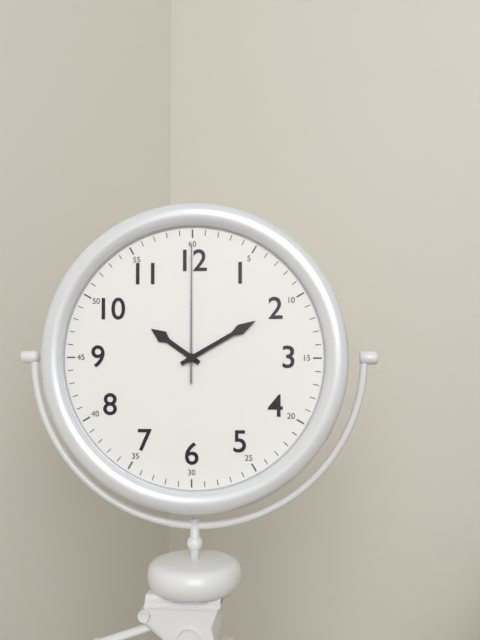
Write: 10,10,00
